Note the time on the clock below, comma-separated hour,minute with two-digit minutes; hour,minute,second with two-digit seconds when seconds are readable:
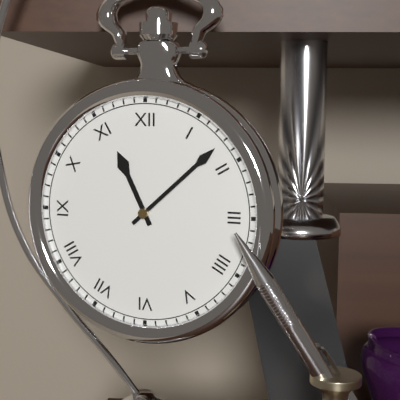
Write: 11,08
